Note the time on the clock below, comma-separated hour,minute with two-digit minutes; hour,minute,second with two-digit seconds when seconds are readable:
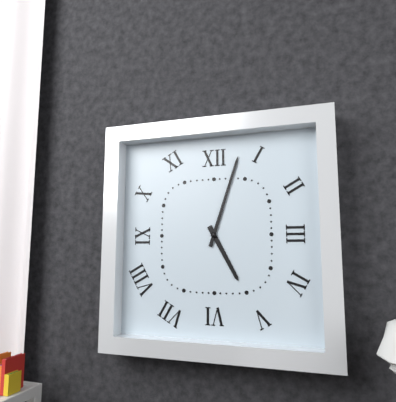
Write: 5,03
